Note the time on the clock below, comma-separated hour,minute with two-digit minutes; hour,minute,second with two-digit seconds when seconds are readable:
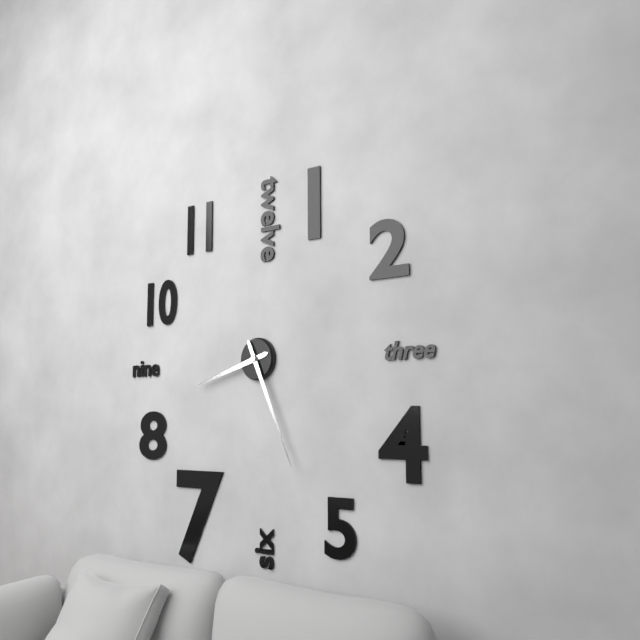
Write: 8,26
